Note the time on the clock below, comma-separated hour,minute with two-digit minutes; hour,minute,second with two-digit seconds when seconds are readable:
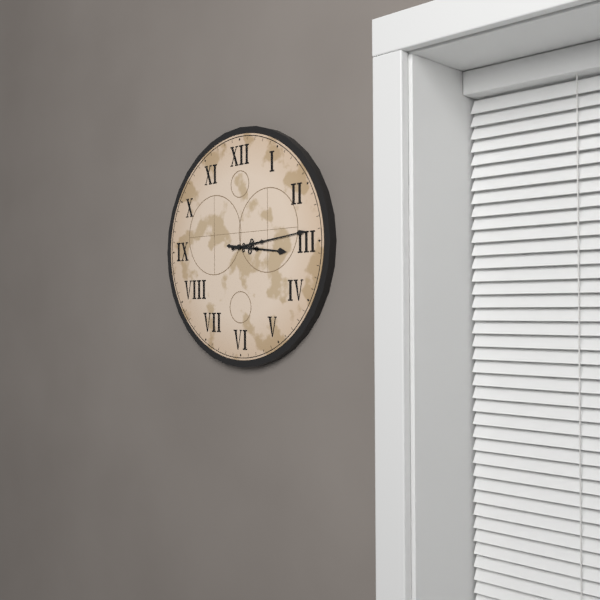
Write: 3,14
